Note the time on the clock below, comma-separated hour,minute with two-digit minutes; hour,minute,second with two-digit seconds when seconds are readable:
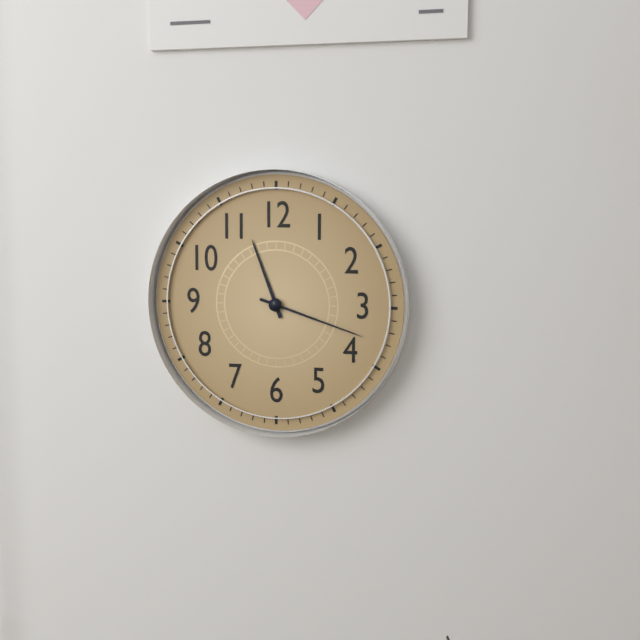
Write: 11,18
